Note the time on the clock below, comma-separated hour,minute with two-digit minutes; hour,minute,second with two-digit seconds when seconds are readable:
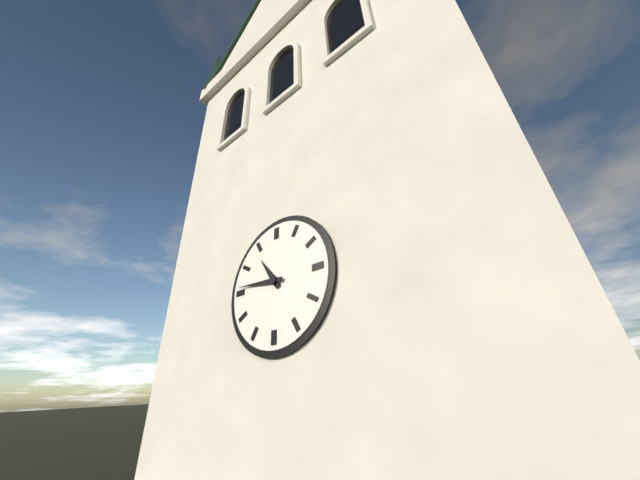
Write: 10,46
